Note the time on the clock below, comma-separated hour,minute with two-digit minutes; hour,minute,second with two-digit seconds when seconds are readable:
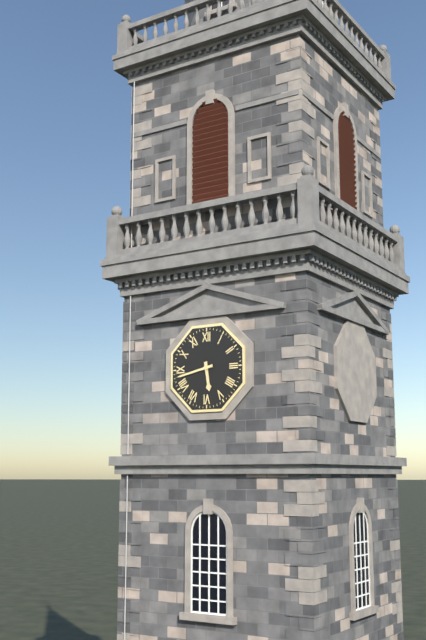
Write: 5,43
